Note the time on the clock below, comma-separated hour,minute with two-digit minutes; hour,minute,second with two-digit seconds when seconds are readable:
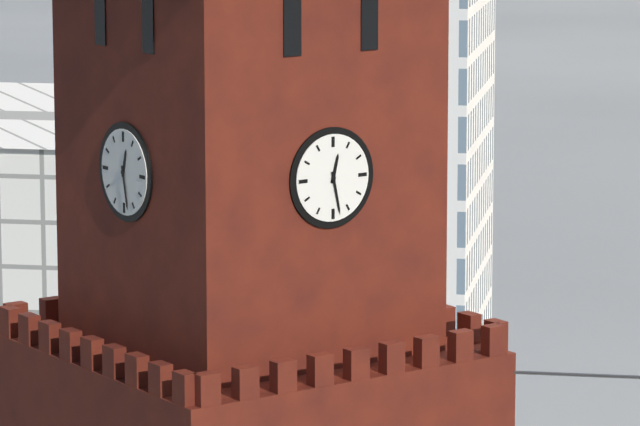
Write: 12,28
